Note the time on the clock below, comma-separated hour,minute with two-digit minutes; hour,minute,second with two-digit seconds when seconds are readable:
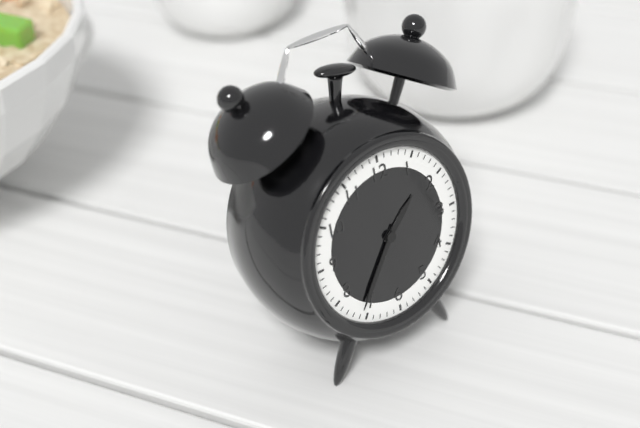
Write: 1,36
